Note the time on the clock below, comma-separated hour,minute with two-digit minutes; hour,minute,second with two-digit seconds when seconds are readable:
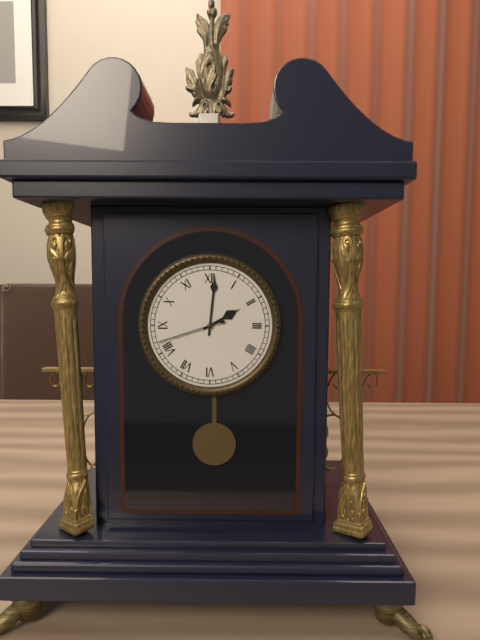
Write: 2,01,42
